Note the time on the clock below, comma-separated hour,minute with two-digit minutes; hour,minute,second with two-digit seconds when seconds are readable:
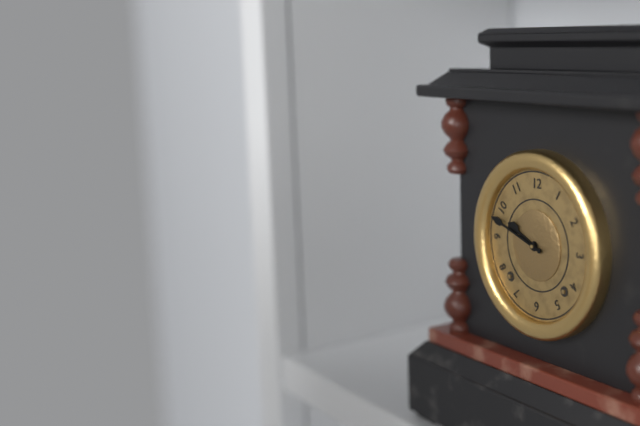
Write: 9,48
